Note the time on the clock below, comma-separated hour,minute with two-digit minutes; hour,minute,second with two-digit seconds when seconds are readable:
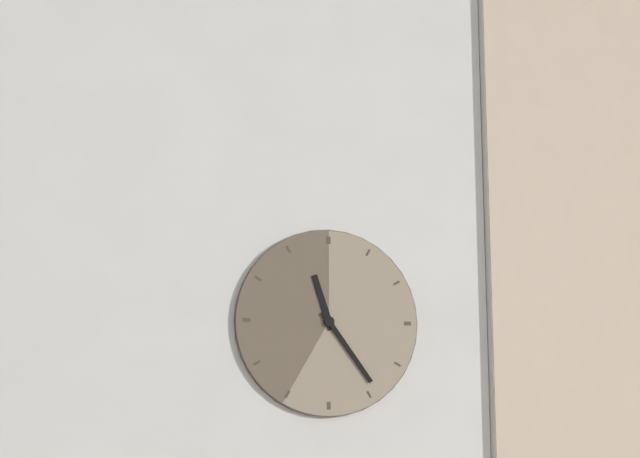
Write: 11,24
